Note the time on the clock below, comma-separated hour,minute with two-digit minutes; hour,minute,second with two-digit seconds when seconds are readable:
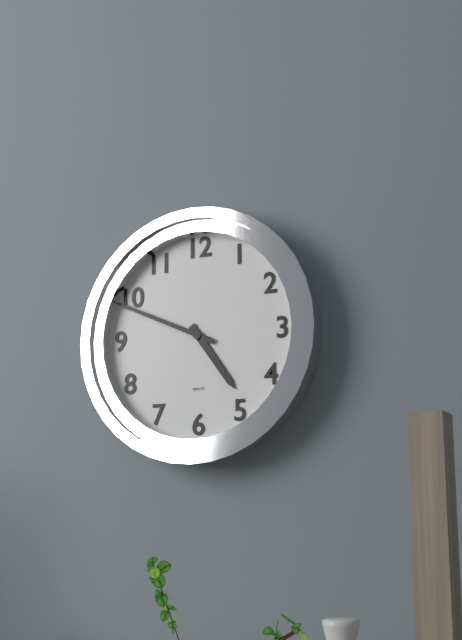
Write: 4,49
